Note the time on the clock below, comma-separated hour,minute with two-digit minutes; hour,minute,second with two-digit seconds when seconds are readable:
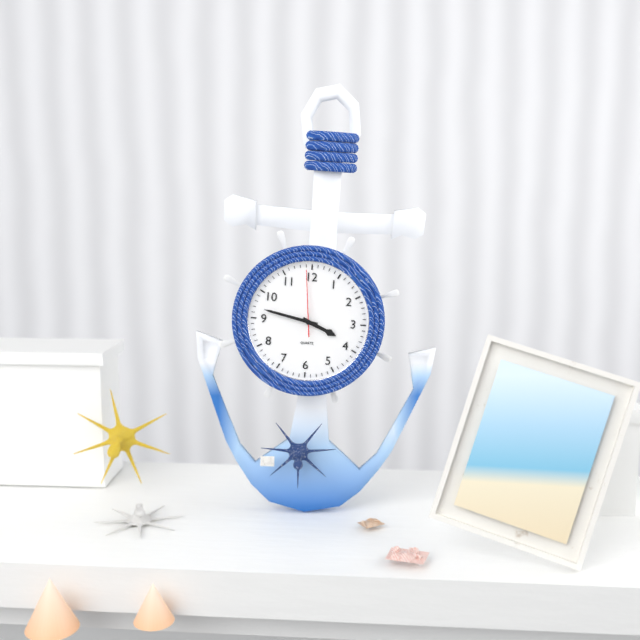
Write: 3,47,59
